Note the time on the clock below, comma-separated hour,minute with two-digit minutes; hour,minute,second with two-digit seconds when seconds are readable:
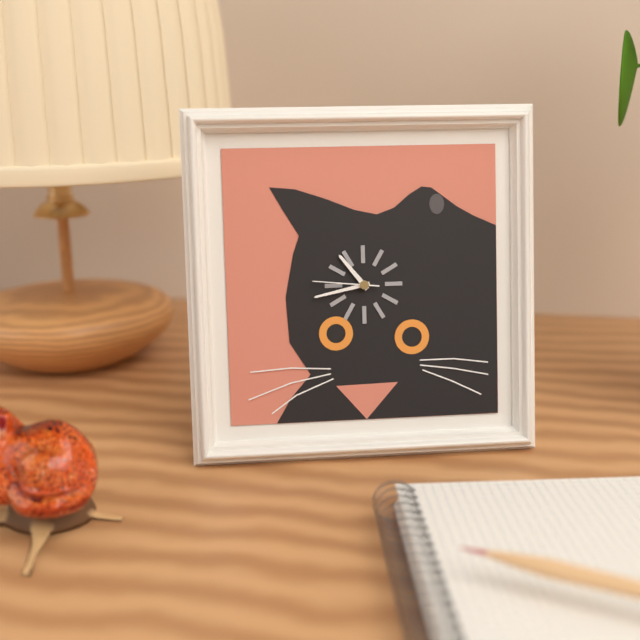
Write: 10,43,46
